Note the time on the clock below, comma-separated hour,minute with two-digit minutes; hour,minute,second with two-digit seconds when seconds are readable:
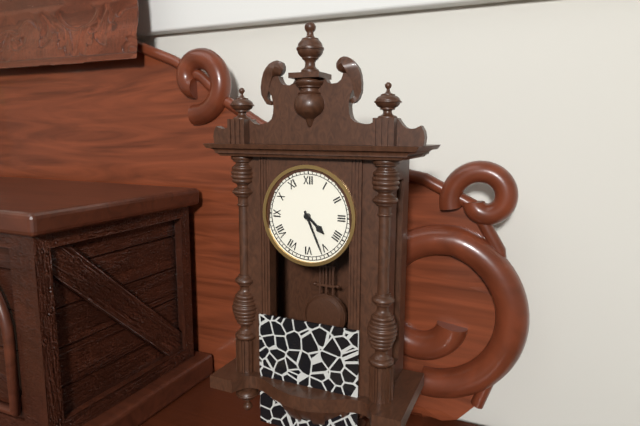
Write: 4,26
